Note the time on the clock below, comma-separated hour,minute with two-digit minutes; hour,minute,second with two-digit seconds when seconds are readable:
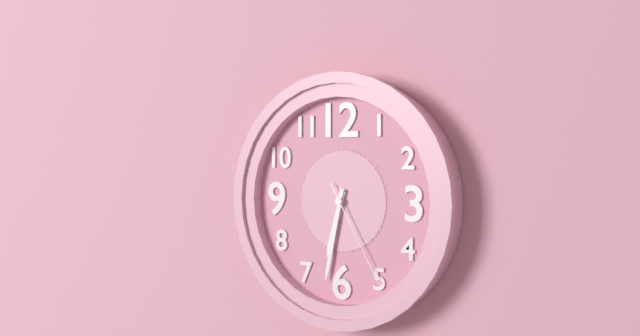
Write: 6,32,25
